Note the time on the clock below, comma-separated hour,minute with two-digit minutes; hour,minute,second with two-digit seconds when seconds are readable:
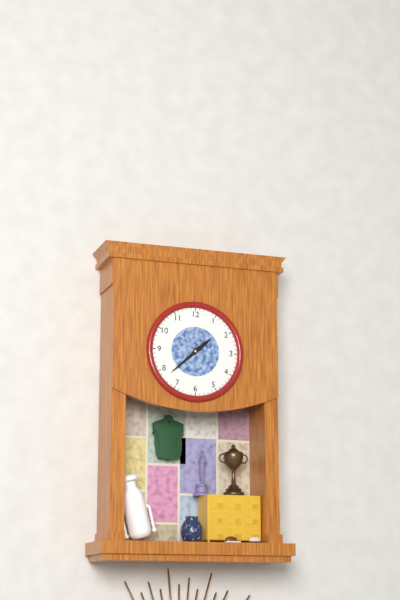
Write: 1,38
